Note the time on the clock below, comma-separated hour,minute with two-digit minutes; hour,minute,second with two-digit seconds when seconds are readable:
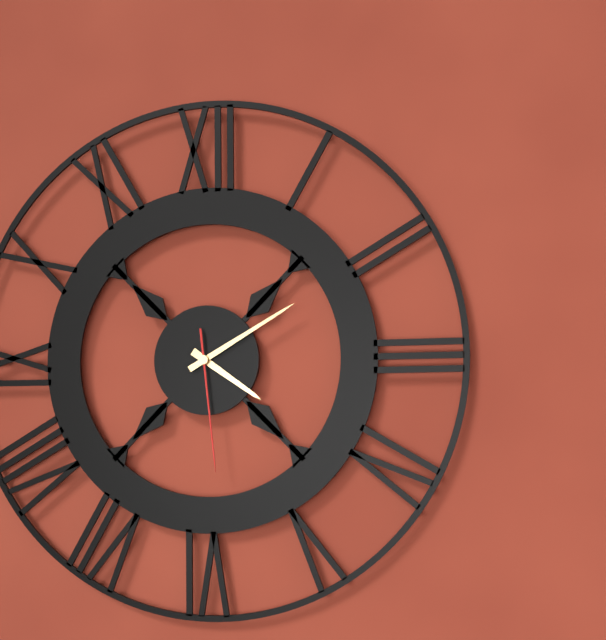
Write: 4,10,29
